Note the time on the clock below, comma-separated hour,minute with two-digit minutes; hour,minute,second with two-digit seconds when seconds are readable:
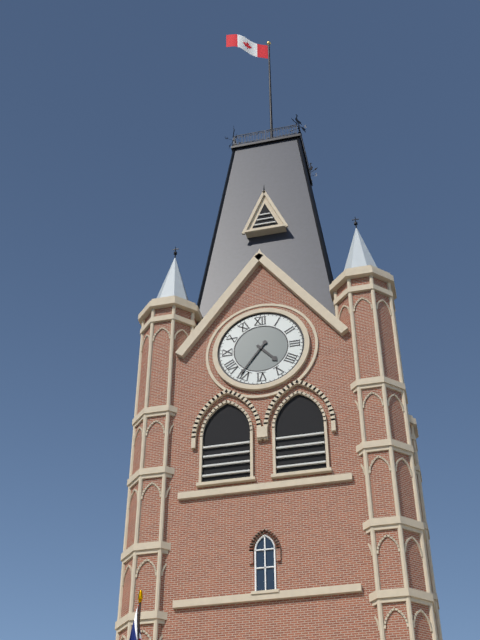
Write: 4,36
